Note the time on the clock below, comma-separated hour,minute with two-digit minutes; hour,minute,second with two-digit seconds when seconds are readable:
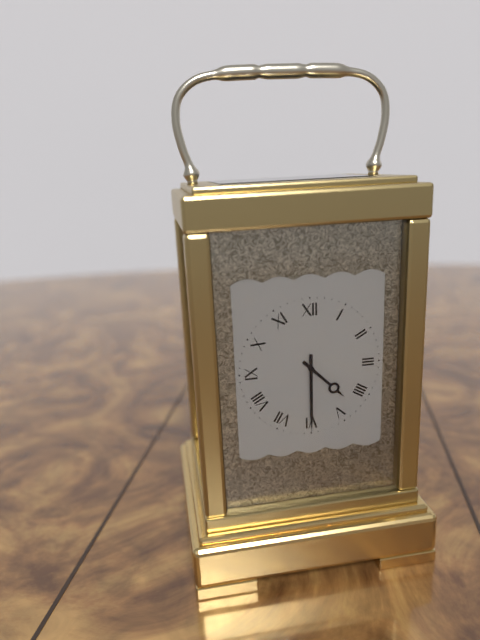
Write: 4,30
